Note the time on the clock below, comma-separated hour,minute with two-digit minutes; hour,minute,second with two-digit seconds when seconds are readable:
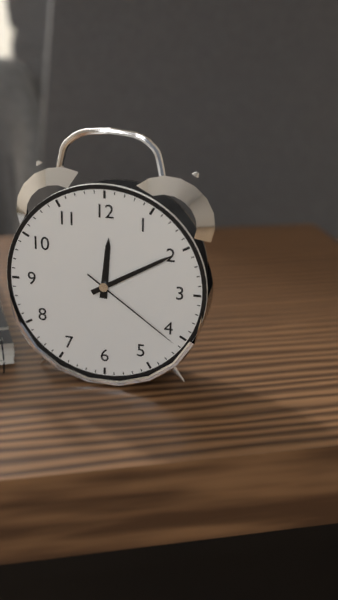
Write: 12,10,21
